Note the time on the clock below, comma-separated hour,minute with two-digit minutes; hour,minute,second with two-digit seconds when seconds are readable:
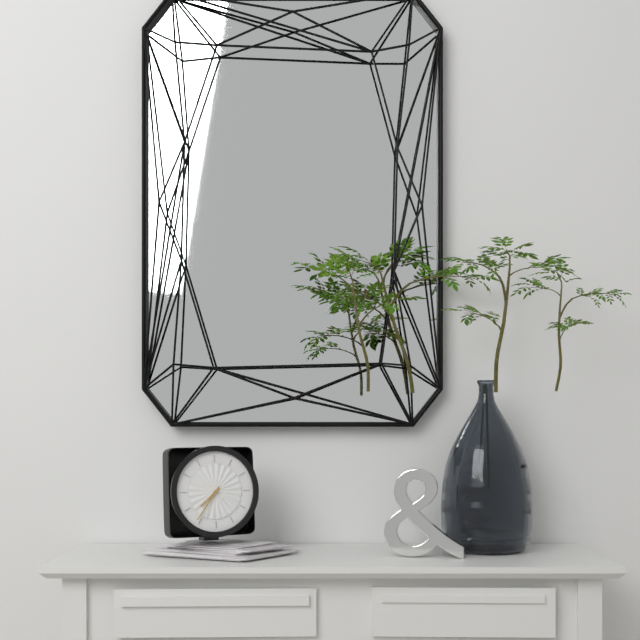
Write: 7,36
